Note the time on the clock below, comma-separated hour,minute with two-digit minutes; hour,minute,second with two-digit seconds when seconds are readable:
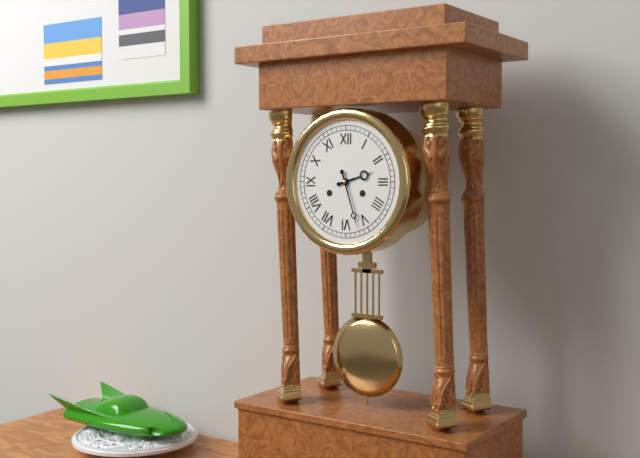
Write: 2,27
